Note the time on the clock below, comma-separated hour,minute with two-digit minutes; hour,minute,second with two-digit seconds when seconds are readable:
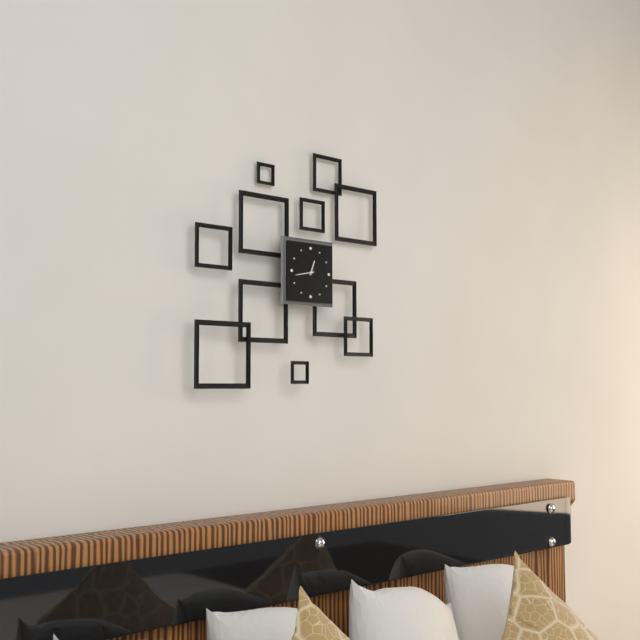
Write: 12,43
